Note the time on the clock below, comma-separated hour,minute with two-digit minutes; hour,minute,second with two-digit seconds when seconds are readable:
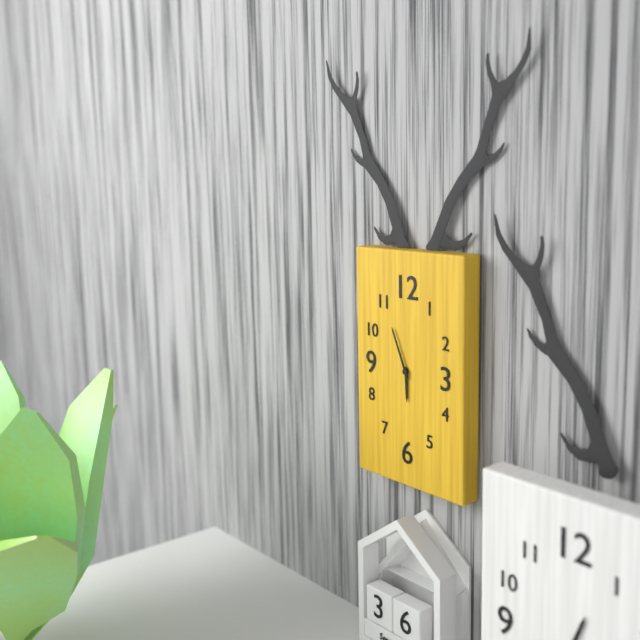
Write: 5,56
